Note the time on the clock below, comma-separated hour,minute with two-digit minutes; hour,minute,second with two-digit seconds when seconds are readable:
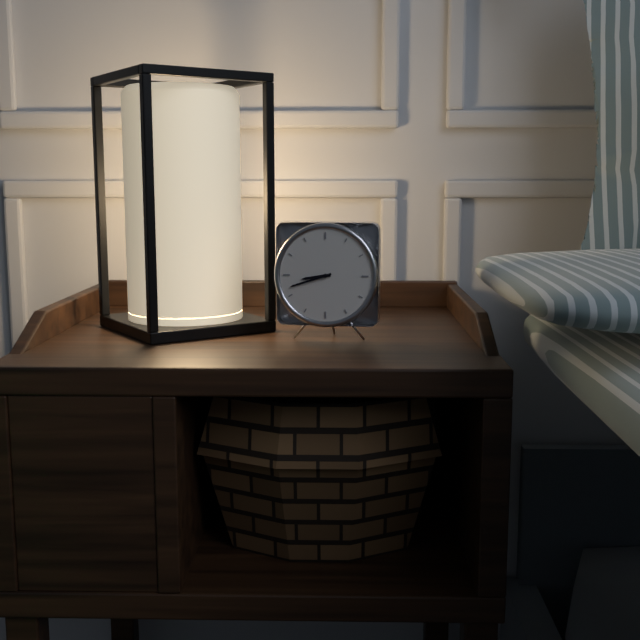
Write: 8,42
